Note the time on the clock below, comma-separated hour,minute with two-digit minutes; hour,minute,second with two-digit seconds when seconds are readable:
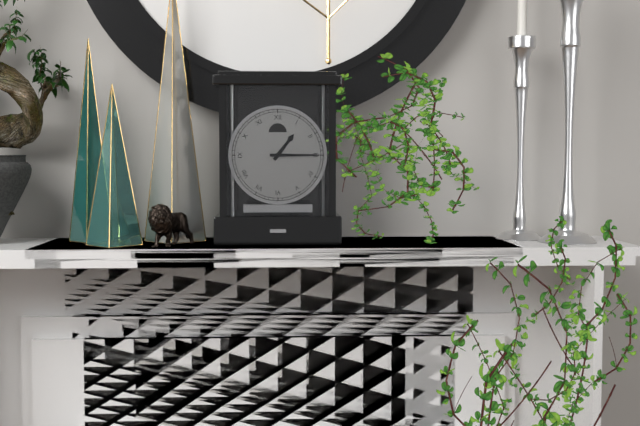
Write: 1,15
